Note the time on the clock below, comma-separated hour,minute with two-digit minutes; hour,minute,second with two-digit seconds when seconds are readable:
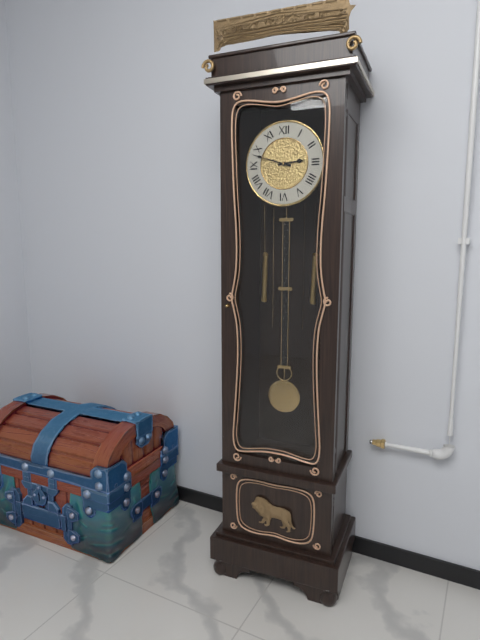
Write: 2,48
